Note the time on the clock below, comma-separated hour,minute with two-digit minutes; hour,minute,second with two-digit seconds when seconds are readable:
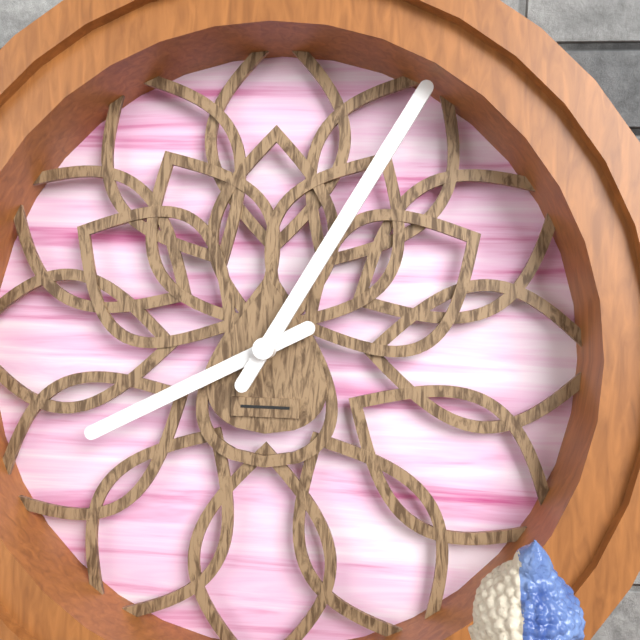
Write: 8,05
